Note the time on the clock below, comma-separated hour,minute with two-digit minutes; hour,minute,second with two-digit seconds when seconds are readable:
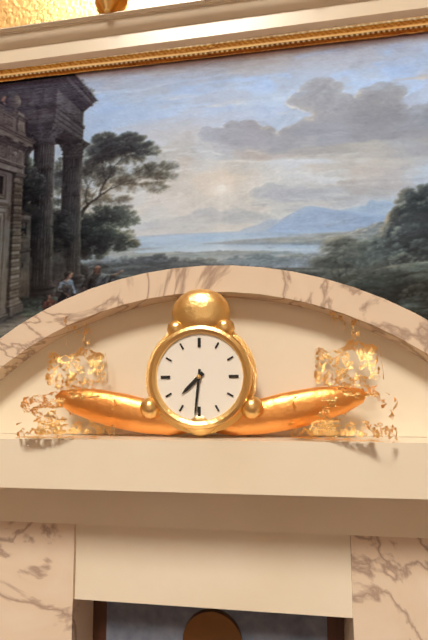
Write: 7,31
